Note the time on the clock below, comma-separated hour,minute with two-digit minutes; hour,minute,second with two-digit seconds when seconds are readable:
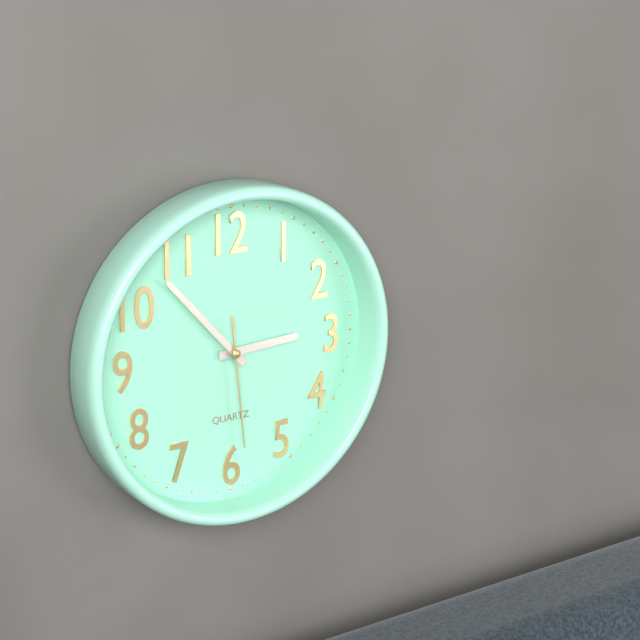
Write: 2,53,29
